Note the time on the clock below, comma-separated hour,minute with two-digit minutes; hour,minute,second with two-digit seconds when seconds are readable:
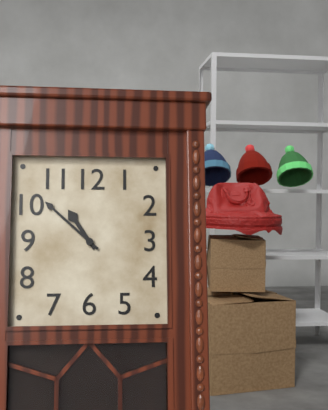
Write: 10,52
